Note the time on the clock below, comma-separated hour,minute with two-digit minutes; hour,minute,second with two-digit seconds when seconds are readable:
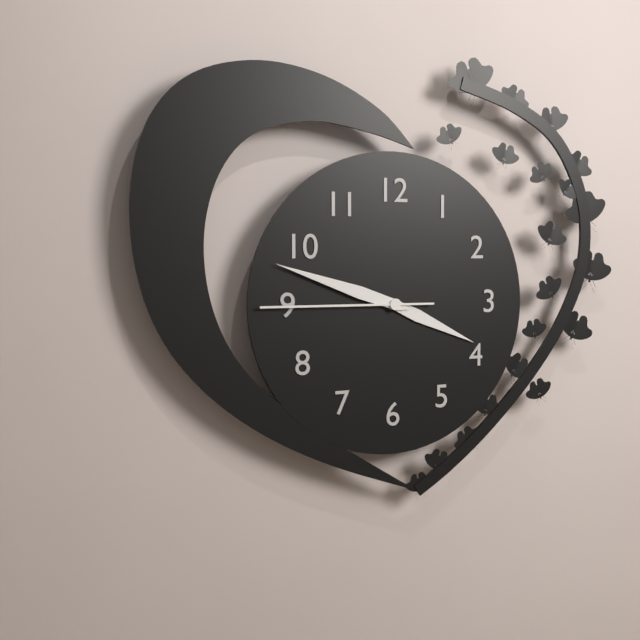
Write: 3,48,45
